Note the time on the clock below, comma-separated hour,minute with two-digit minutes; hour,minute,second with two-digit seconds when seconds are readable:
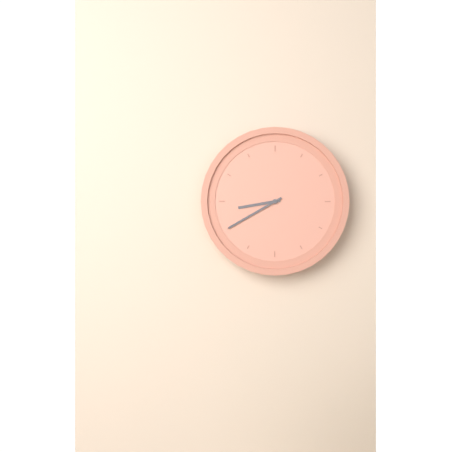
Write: 8,40
